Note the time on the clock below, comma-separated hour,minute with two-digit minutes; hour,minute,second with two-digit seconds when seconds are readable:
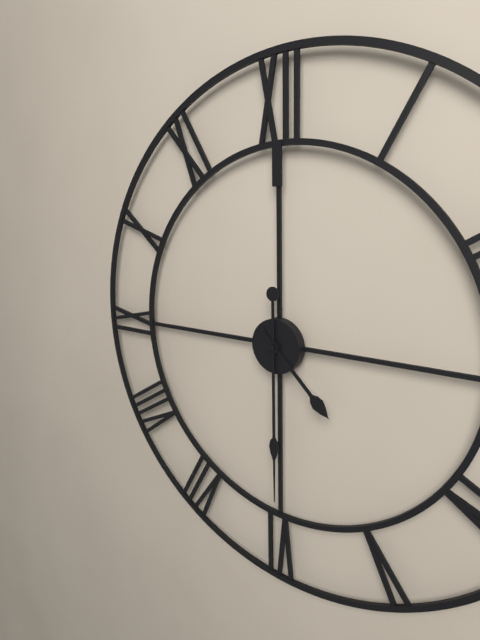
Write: 4,30
